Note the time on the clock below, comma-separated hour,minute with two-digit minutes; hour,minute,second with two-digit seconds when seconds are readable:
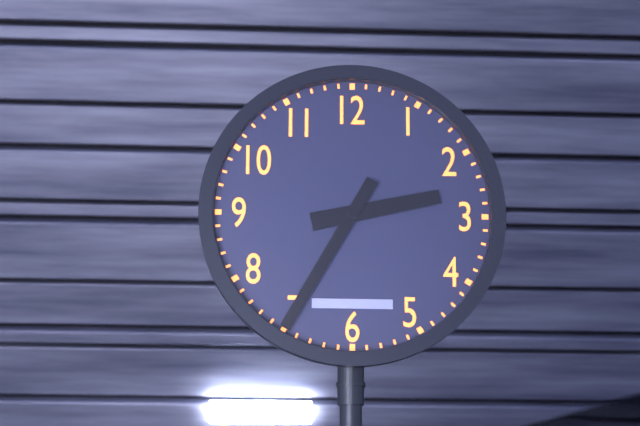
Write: 2,35
